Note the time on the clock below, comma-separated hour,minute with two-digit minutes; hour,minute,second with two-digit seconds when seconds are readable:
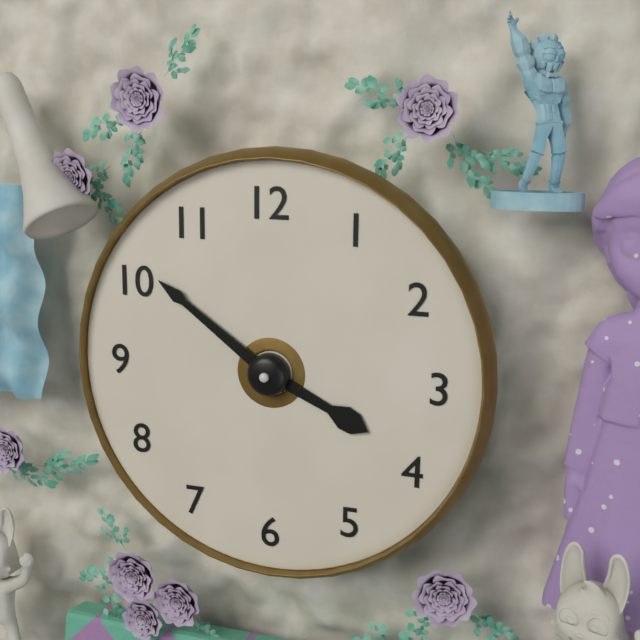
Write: 3,51
